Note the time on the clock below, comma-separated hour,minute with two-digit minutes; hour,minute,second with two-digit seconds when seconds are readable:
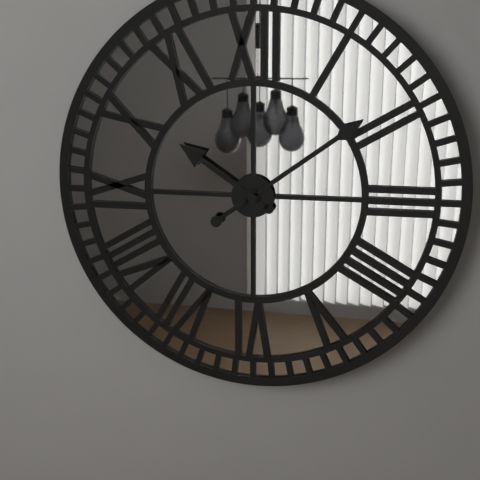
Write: 10,09
